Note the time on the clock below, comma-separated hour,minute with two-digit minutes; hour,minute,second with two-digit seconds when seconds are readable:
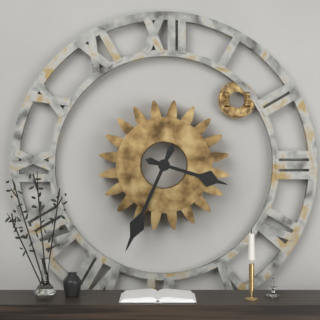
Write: 3,34
